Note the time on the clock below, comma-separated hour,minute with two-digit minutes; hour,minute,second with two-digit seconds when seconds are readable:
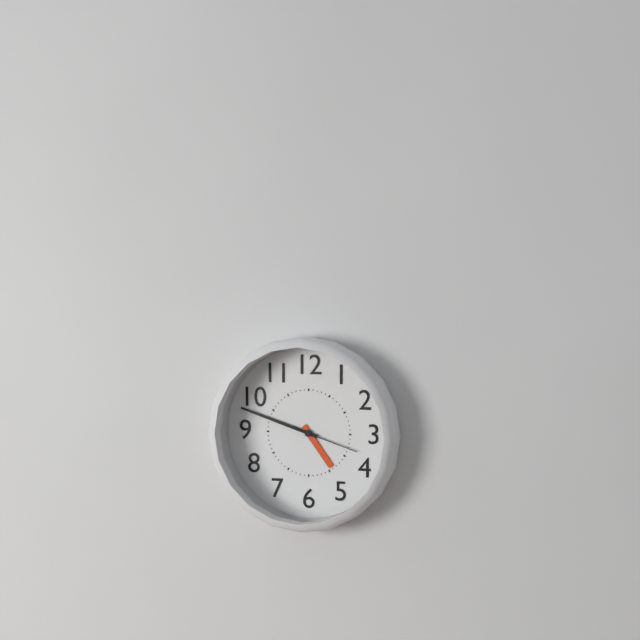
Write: 4,48,18
